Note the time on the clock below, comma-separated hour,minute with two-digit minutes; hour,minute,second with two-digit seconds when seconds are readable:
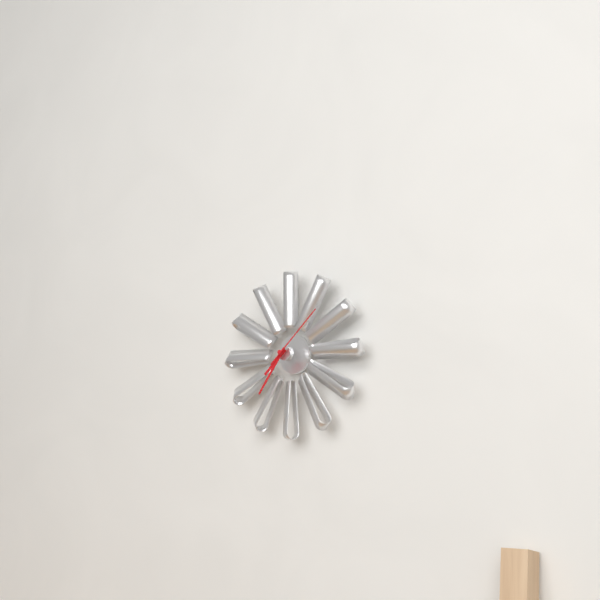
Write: 7,36,08
